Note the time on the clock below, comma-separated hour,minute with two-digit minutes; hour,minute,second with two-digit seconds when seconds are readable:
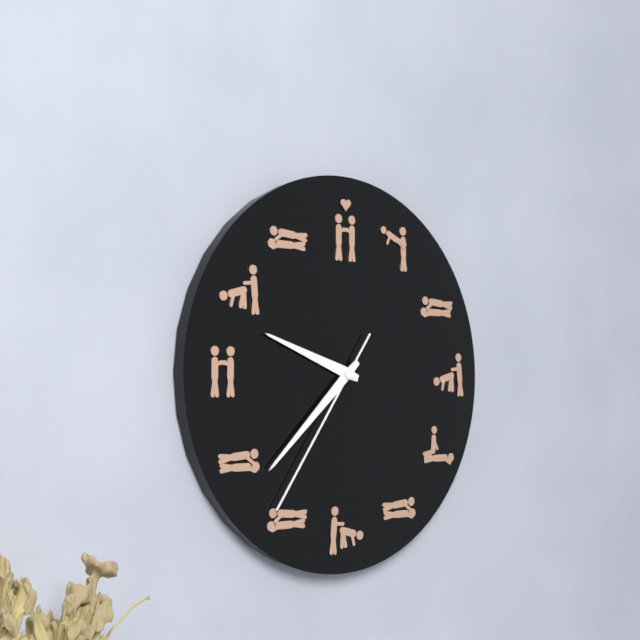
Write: 9,38,36
